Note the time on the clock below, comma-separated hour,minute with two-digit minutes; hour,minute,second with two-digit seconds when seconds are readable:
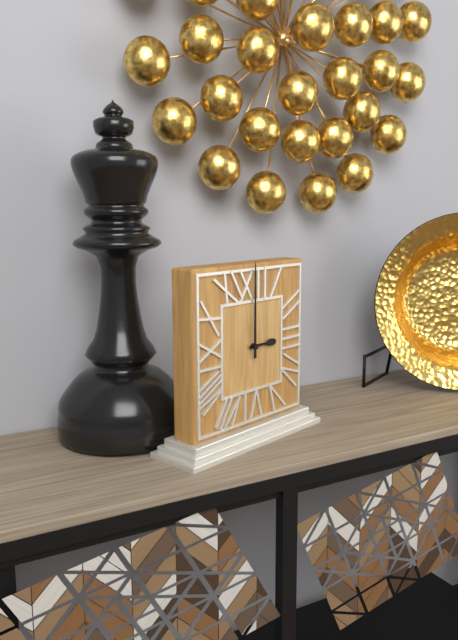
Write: 3,00
